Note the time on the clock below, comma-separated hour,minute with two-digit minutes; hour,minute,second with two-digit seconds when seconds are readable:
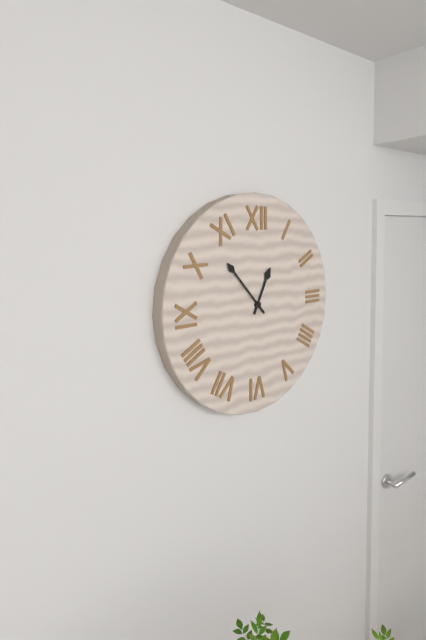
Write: 12,53
